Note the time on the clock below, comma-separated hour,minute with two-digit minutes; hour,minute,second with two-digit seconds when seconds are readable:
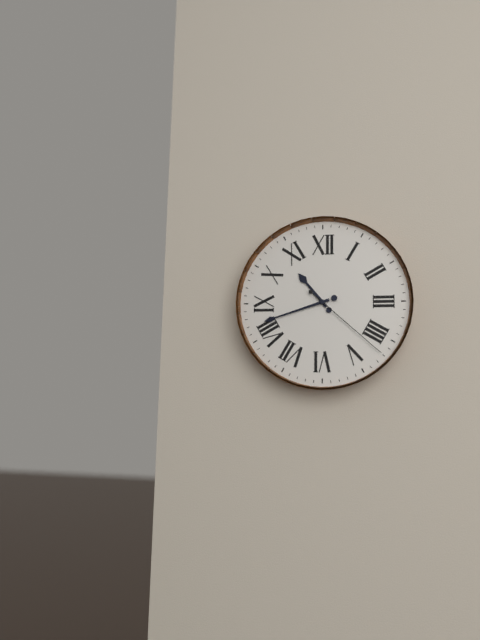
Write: 10,42,22
